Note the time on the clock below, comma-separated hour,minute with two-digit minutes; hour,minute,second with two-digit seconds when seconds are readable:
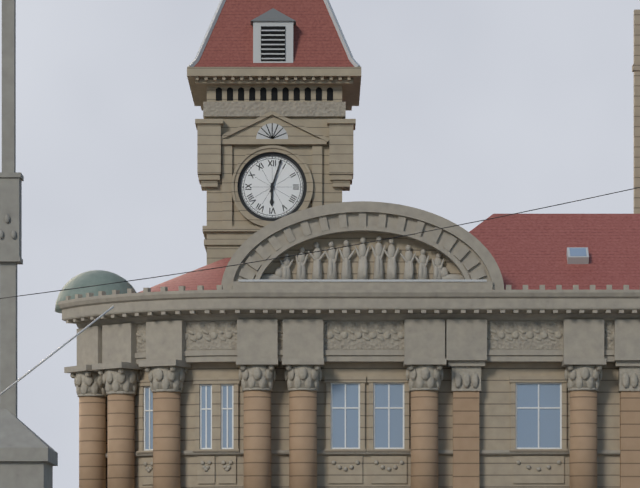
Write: 6,03
